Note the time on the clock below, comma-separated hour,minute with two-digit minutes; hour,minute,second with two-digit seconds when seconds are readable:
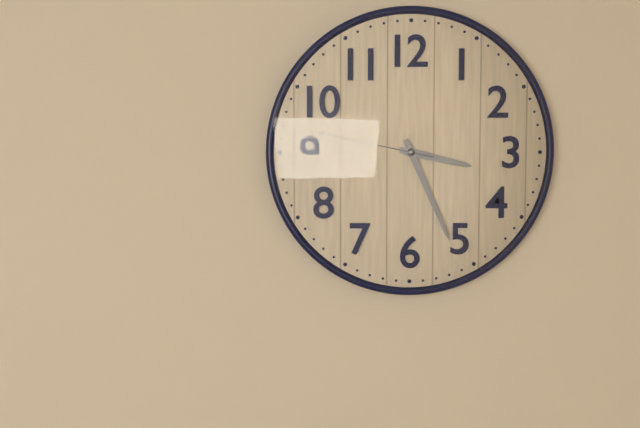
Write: 3,26,47
